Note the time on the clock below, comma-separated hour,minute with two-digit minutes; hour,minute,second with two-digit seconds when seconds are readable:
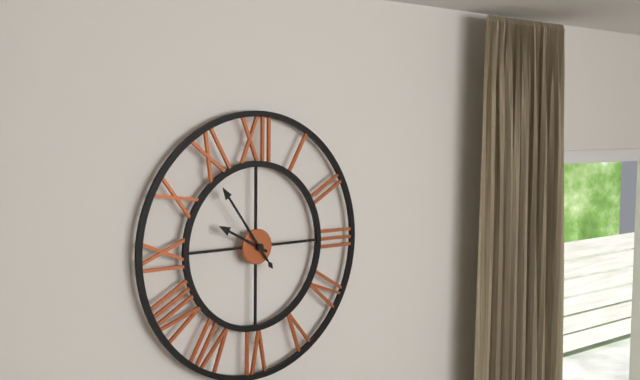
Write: 9,54
